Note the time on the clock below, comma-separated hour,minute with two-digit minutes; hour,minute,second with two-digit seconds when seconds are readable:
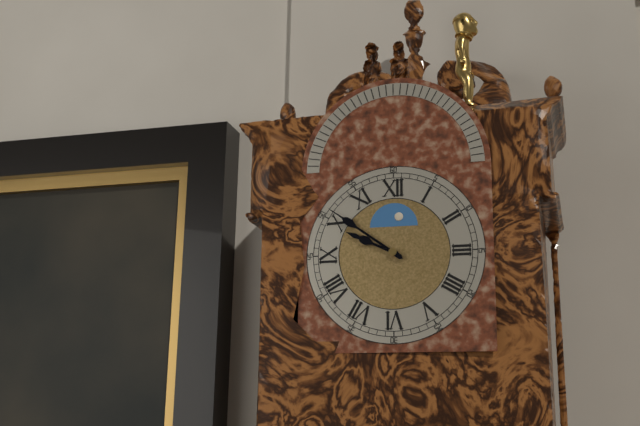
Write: 9,51
